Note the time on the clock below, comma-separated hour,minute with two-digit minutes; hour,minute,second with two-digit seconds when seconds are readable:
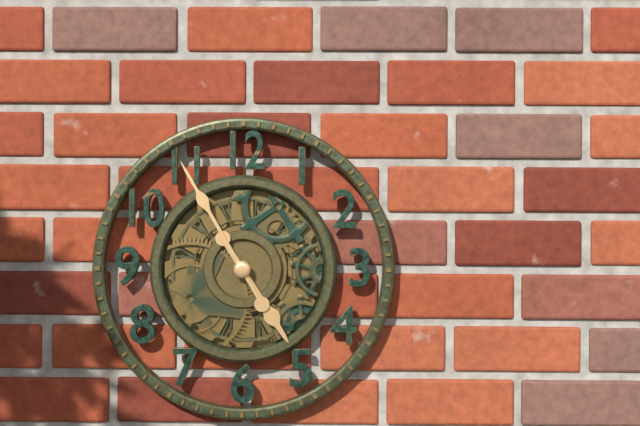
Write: 4,55
